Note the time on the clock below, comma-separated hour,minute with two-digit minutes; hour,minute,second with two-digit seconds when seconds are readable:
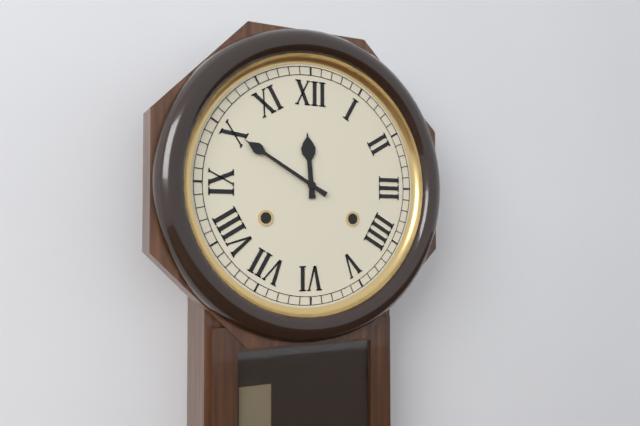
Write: 11,50
